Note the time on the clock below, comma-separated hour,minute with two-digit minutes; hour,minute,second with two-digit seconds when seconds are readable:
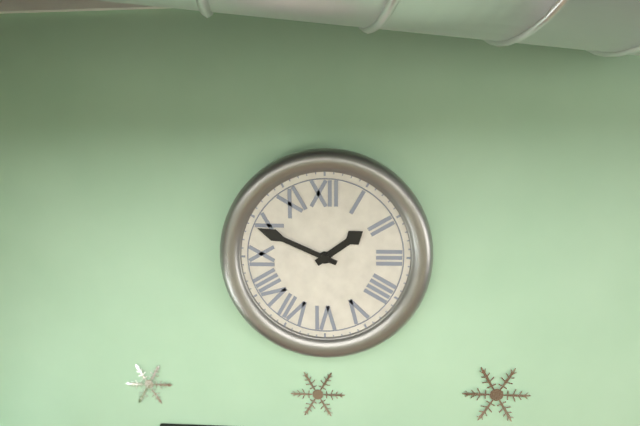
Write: 1,49
